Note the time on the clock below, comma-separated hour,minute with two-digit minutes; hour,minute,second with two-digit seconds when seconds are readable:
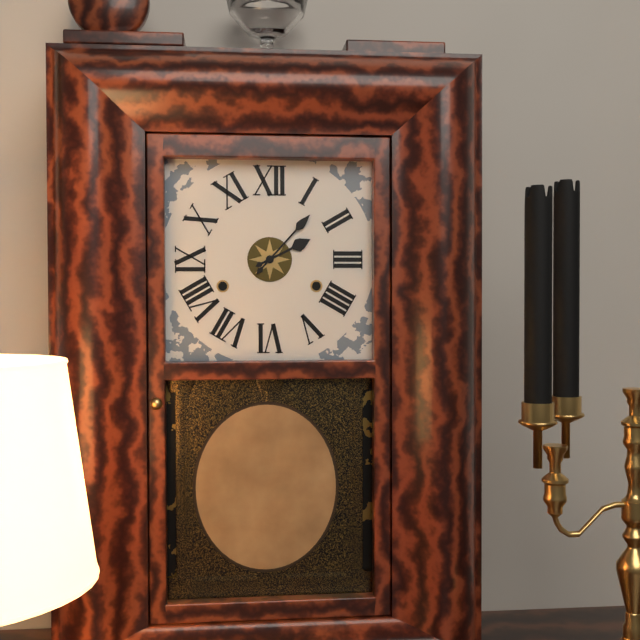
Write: 2,07
